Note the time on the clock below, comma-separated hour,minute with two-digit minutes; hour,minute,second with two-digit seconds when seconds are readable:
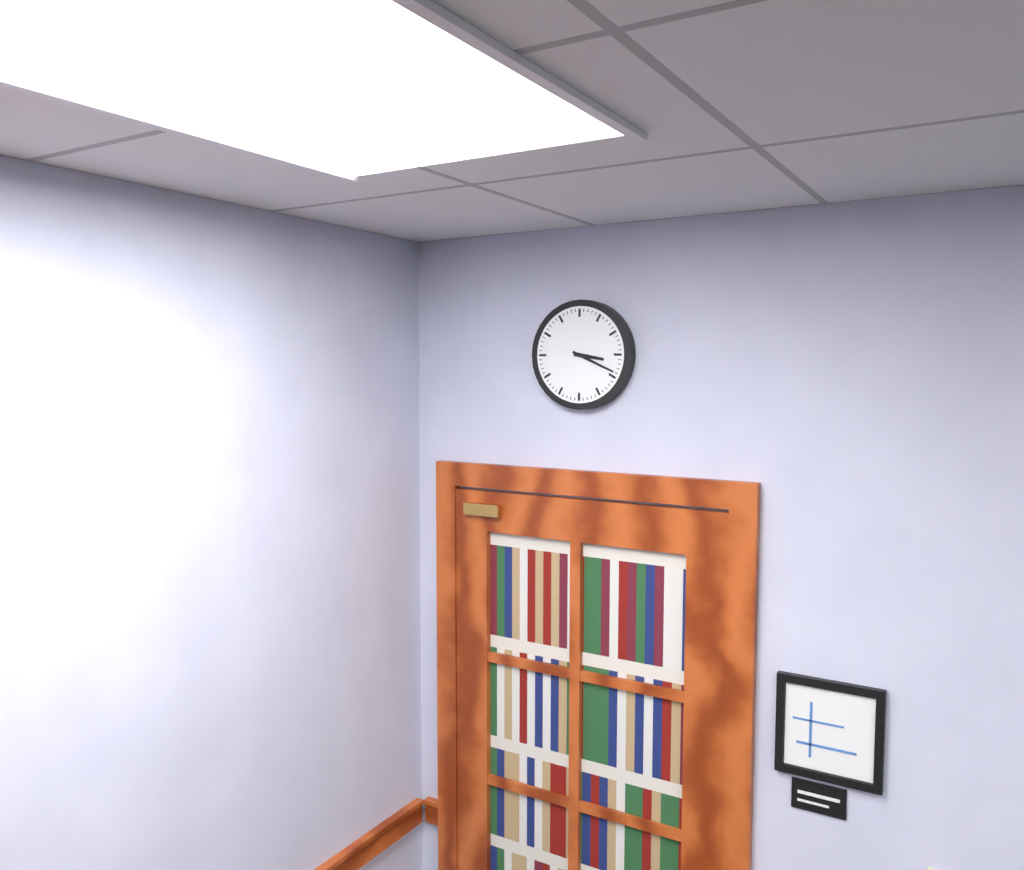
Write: 3,19
